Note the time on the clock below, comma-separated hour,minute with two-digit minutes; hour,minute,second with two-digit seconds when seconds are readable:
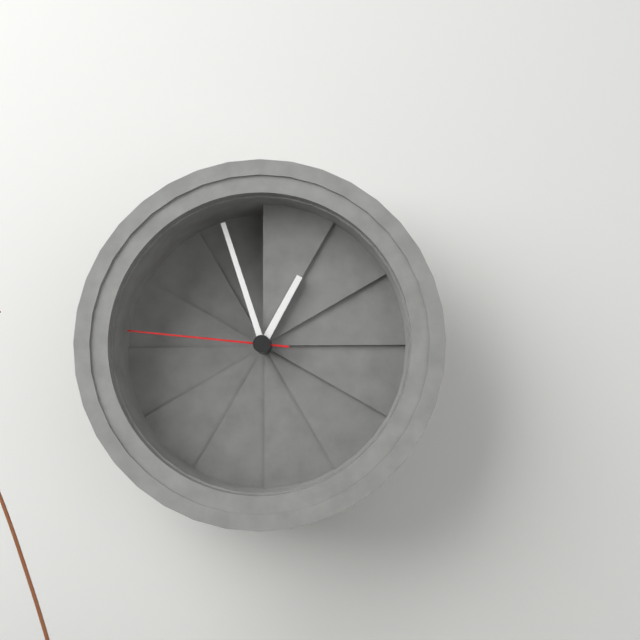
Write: 12,57,46
